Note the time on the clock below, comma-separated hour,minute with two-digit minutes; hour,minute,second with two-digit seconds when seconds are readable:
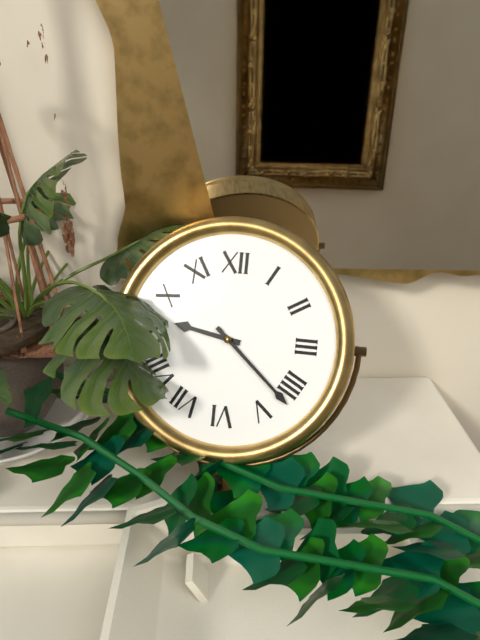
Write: 9,22
